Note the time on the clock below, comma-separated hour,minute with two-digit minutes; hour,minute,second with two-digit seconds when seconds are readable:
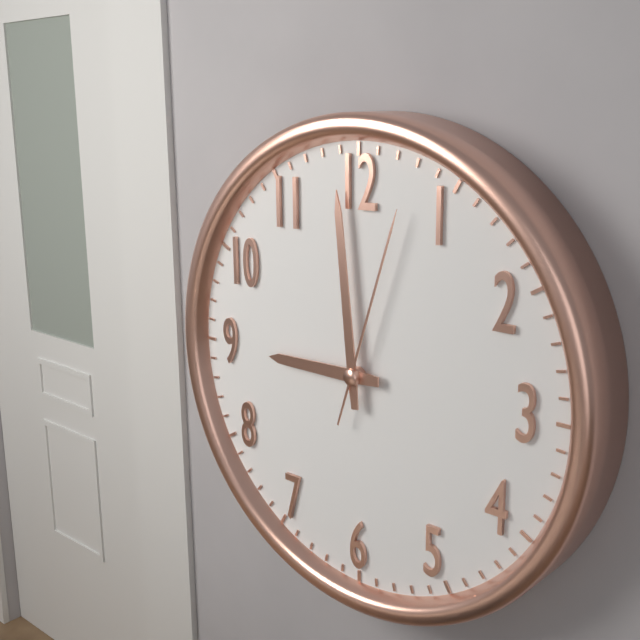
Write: 8,59,03
